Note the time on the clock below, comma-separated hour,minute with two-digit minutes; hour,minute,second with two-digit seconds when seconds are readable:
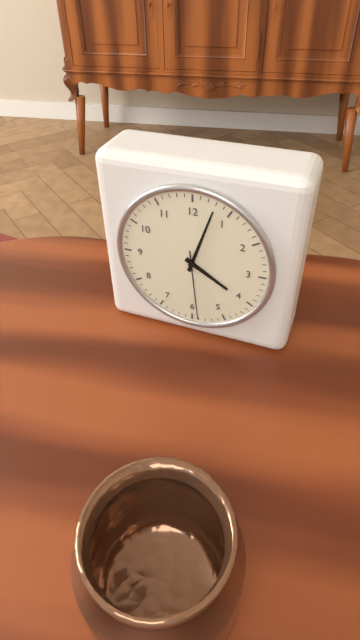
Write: 4,03,29
